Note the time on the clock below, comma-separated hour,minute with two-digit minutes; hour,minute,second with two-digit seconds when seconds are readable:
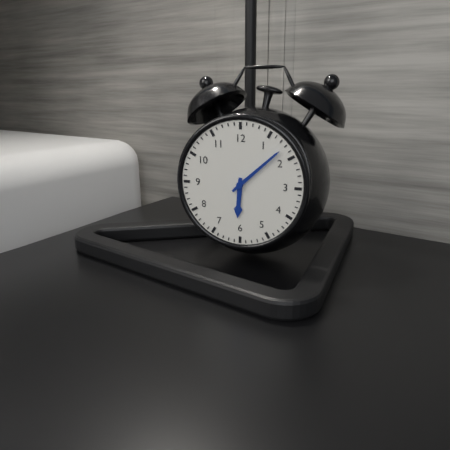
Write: 6,08
